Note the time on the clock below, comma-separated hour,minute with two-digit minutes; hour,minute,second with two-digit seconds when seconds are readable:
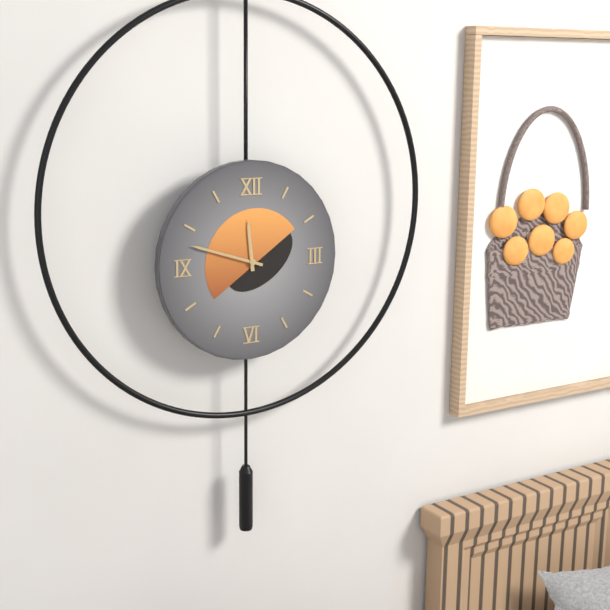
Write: 11,48
